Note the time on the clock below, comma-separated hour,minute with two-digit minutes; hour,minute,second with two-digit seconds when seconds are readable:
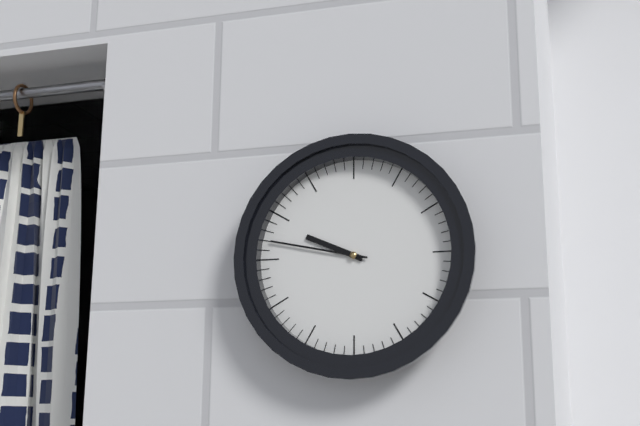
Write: 9,47
